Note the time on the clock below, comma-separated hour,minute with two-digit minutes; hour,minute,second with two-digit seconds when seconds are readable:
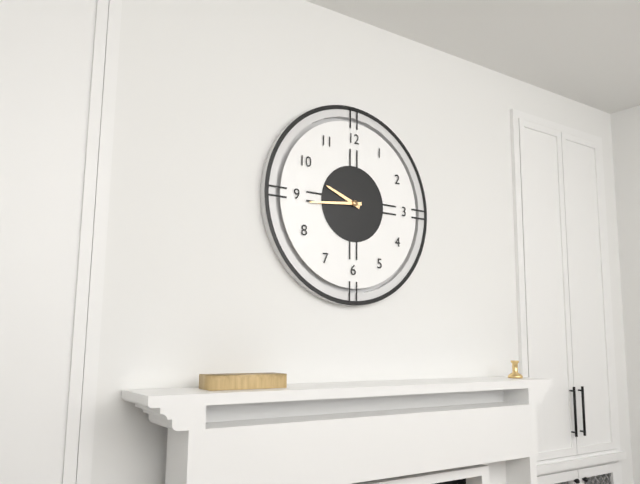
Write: 9,44
